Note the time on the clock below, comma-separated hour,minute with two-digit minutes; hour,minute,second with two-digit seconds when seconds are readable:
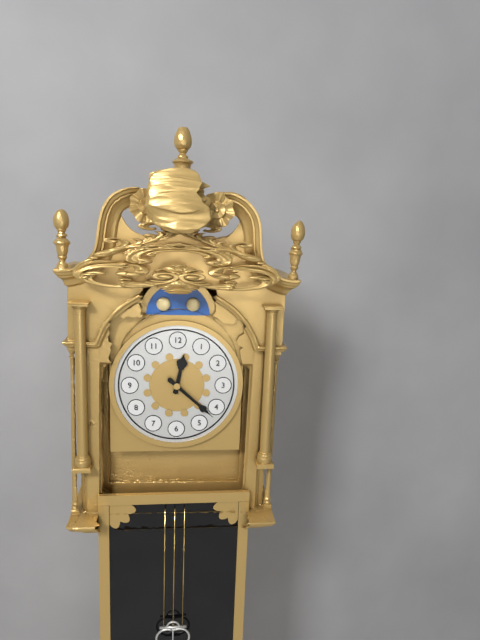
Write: 12,22
